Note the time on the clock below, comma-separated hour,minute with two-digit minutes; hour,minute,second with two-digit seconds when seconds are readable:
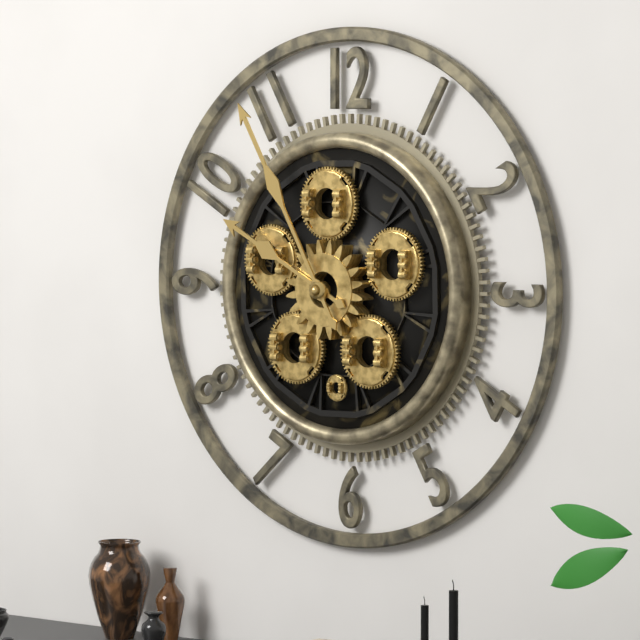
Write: 9,55
